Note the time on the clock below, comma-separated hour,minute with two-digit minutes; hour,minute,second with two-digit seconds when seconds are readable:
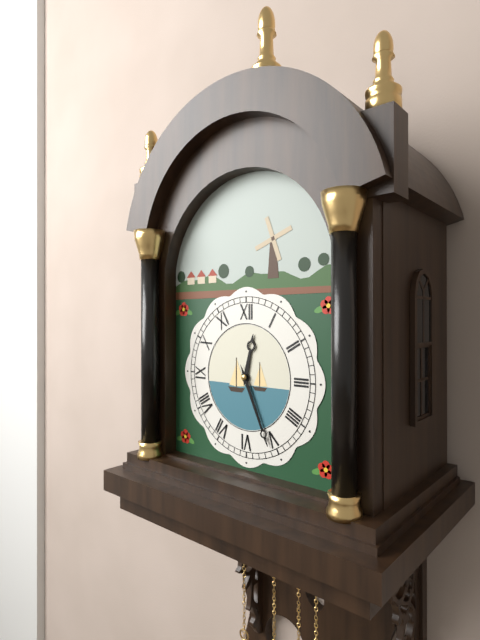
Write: 12,26
